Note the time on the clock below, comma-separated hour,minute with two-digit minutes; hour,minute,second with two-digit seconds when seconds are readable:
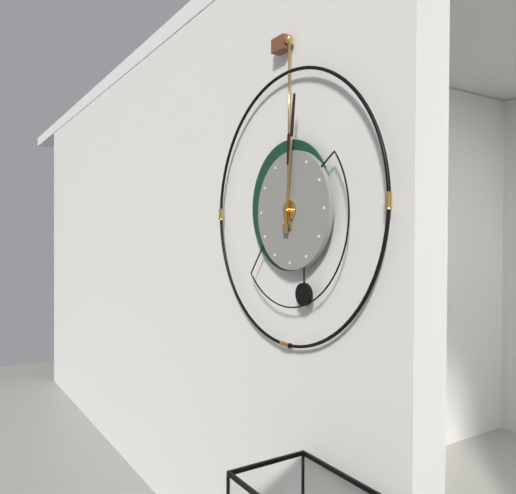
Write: 12,01
